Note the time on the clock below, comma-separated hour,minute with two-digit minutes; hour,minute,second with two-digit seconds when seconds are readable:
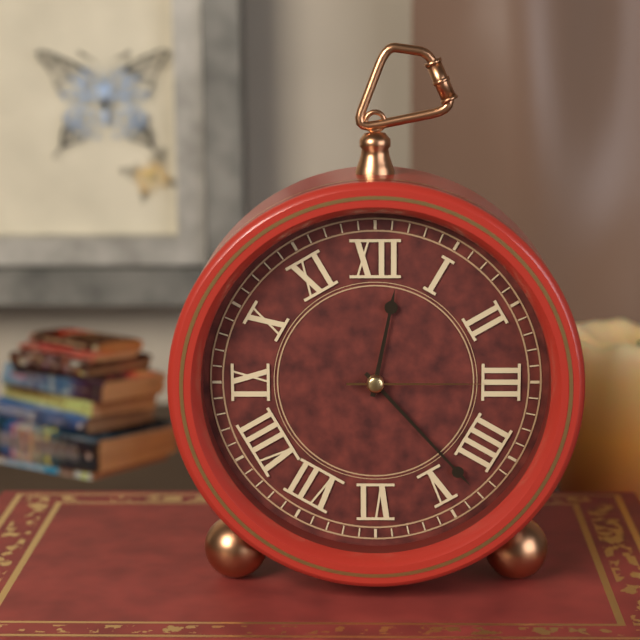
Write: 12,23,15
